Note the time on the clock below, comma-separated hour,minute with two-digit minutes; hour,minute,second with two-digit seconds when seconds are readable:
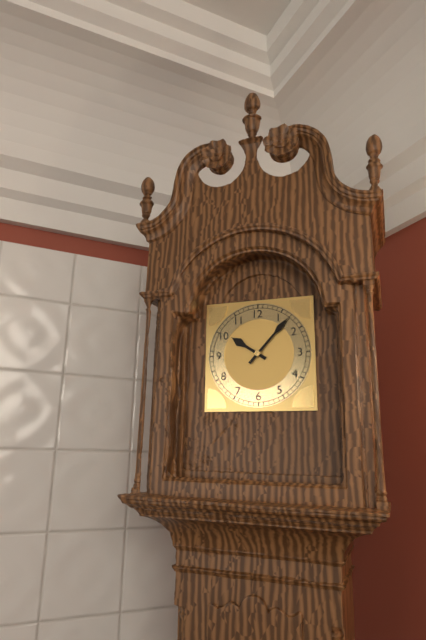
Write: 10,07
